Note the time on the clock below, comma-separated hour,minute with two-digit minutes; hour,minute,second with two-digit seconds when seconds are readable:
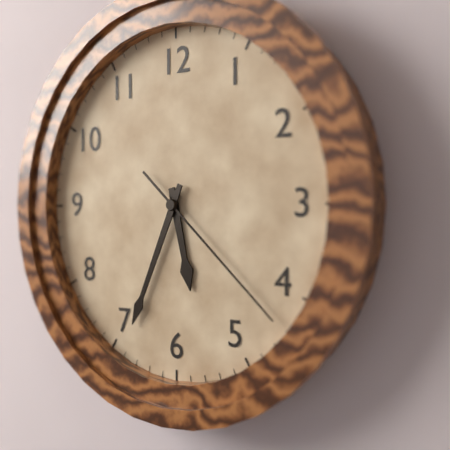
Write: 5,34,22
